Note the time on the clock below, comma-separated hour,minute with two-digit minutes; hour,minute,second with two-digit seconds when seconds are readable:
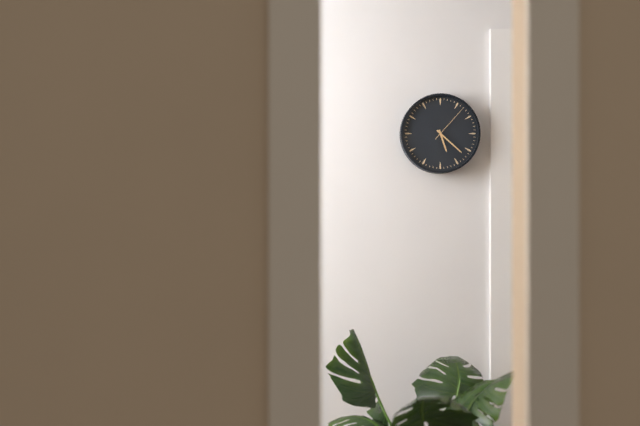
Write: 5,22
